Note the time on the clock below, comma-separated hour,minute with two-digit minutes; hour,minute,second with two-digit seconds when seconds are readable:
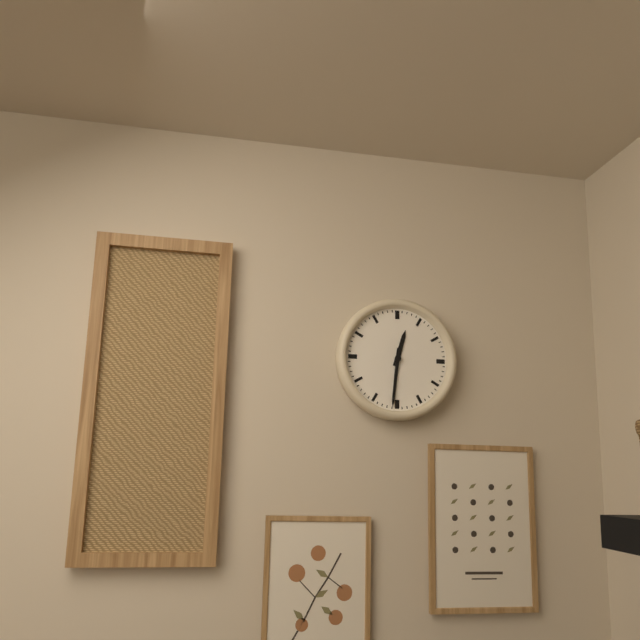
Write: 12,31
